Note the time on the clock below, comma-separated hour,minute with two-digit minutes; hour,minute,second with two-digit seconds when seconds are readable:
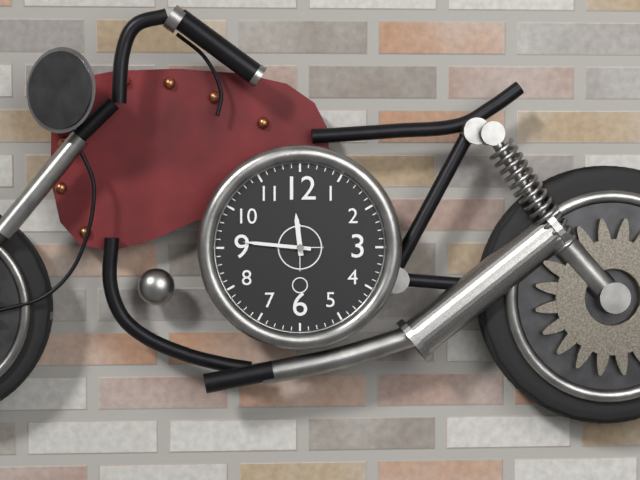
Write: 11,46
